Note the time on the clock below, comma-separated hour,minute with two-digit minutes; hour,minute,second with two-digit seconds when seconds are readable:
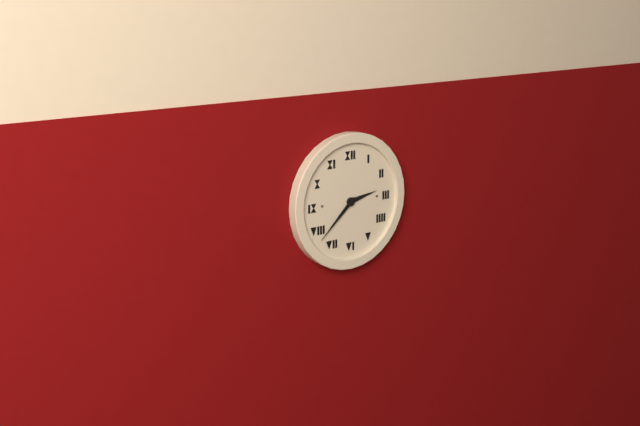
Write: 2,38
